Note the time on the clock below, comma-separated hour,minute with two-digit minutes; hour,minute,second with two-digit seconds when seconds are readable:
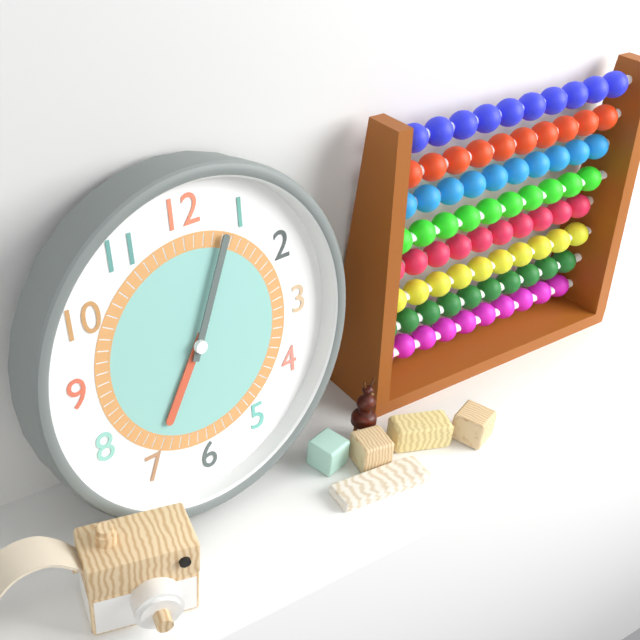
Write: 7,04
